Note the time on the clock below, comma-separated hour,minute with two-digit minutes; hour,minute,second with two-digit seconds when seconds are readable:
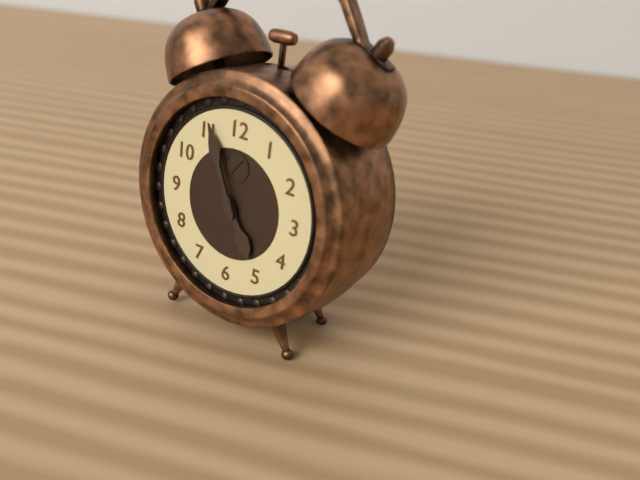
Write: 4,56
